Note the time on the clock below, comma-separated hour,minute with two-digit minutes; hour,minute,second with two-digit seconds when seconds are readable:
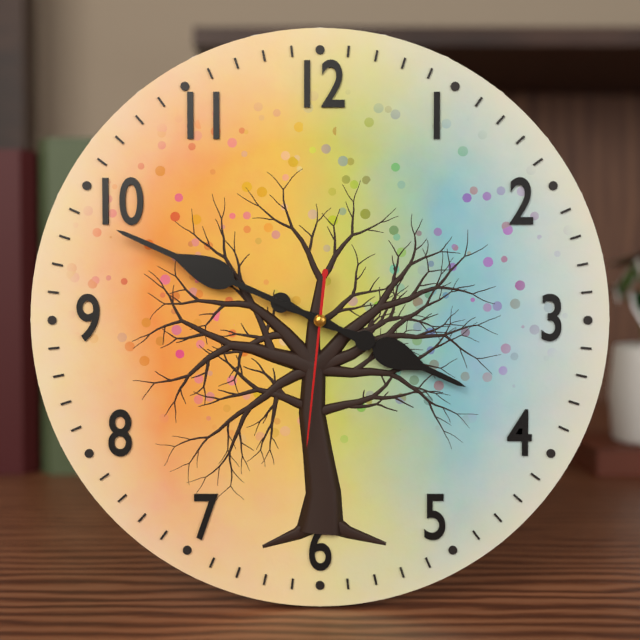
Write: 3,49,31
